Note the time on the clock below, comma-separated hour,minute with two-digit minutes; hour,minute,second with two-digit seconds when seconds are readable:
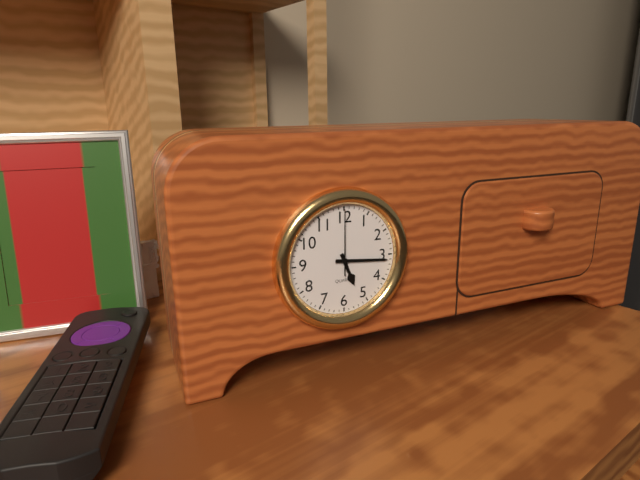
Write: 5,16,00
